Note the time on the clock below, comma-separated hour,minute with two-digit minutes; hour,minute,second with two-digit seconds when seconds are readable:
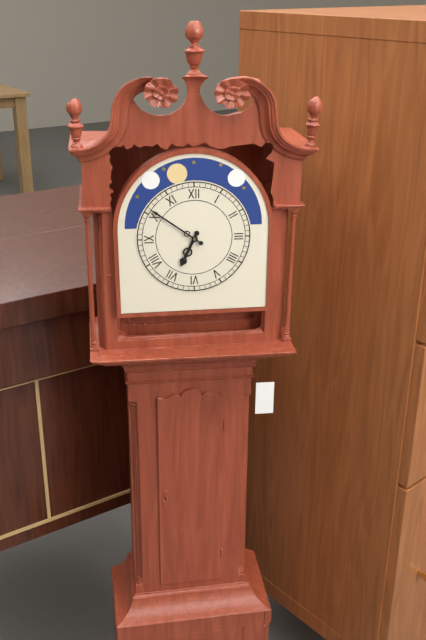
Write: 6,51
